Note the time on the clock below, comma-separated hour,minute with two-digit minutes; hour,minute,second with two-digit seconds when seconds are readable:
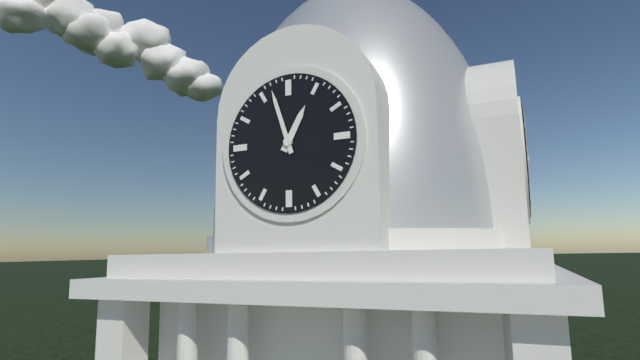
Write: 12,57
